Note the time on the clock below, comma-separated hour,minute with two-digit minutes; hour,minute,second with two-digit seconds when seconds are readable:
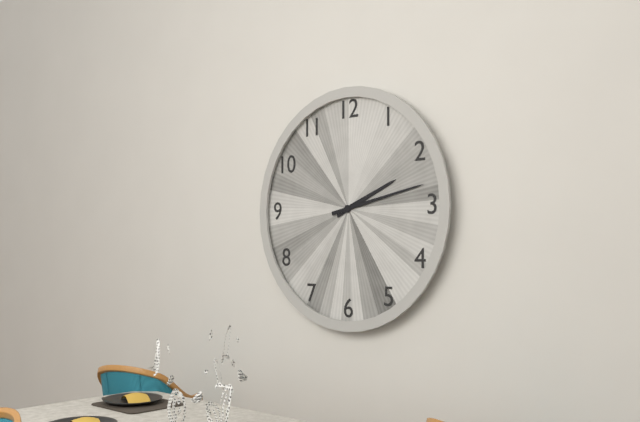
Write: 2,13
